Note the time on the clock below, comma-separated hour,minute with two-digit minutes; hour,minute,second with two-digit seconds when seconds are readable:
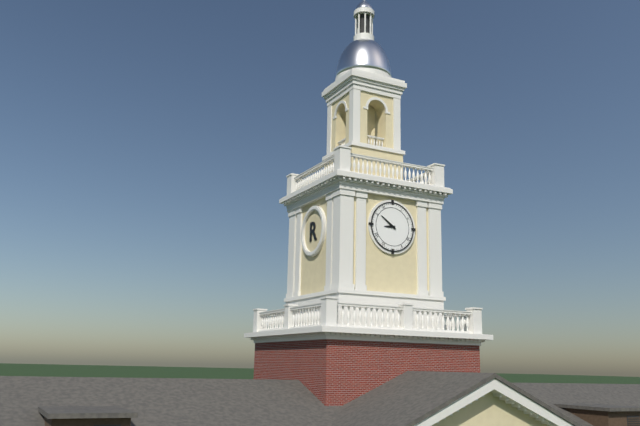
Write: 8,51
